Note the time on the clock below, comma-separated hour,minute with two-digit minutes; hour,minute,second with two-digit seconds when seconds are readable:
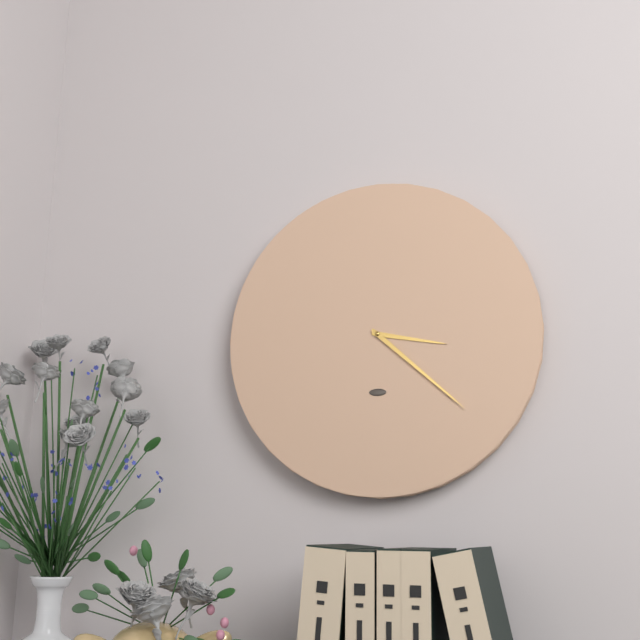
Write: 3,22
